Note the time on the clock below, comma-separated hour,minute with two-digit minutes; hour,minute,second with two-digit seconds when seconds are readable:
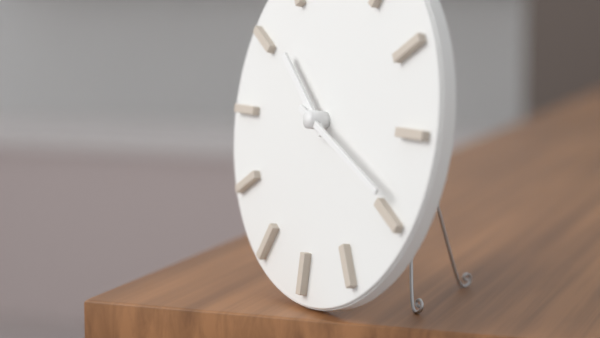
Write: 10,19
